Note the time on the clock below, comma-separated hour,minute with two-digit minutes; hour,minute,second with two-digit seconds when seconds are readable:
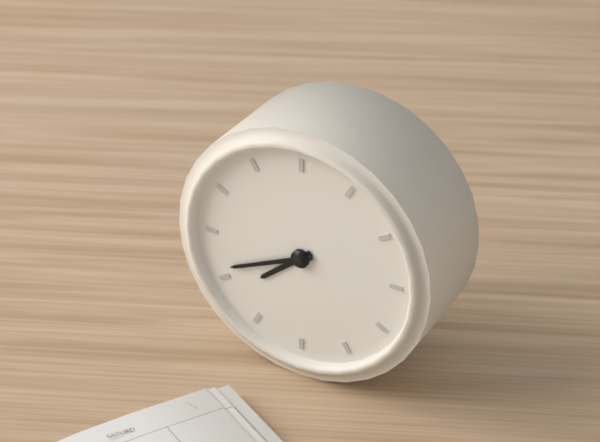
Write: 7,41
